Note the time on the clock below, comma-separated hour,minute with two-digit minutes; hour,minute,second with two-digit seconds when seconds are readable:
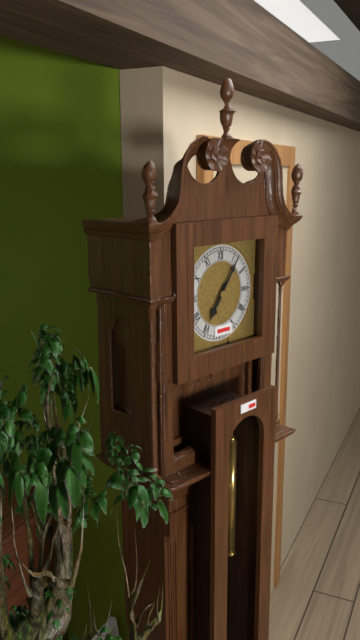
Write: 7,06
